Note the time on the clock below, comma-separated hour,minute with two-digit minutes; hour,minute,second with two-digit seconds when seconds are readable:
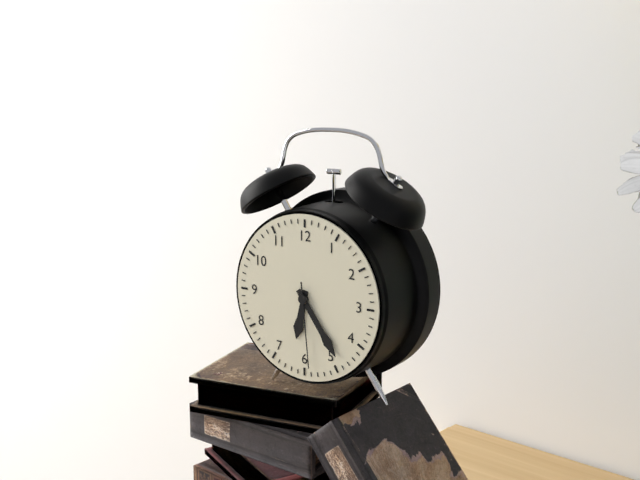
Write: 6,24,29
